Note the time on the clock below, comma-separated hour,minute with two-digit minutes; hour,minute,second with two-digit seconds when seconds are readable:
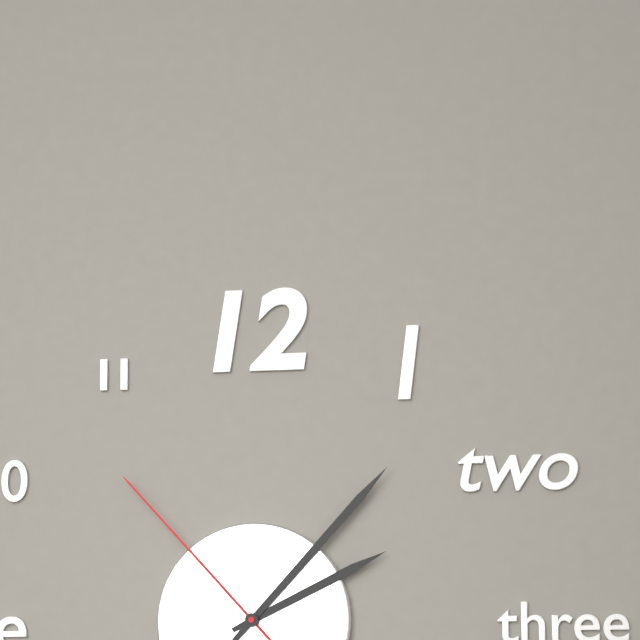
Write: 2,07,53
